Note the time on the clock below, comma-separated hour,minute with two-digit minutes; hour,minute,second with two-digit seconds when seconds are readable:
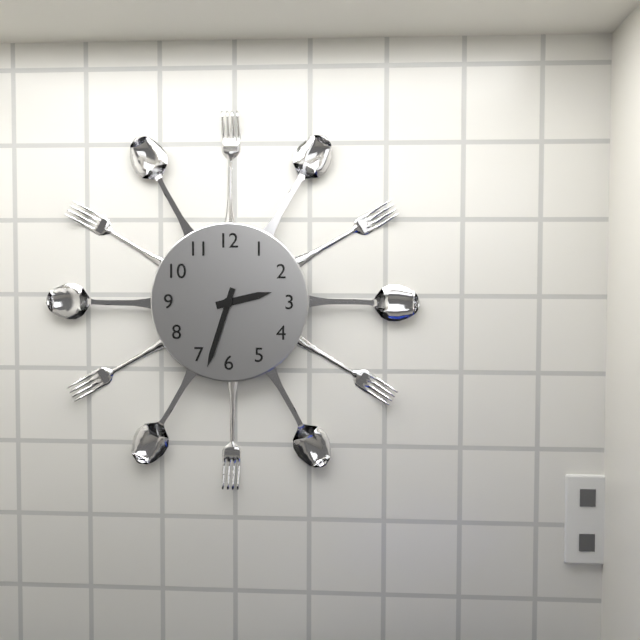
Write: 2,33
